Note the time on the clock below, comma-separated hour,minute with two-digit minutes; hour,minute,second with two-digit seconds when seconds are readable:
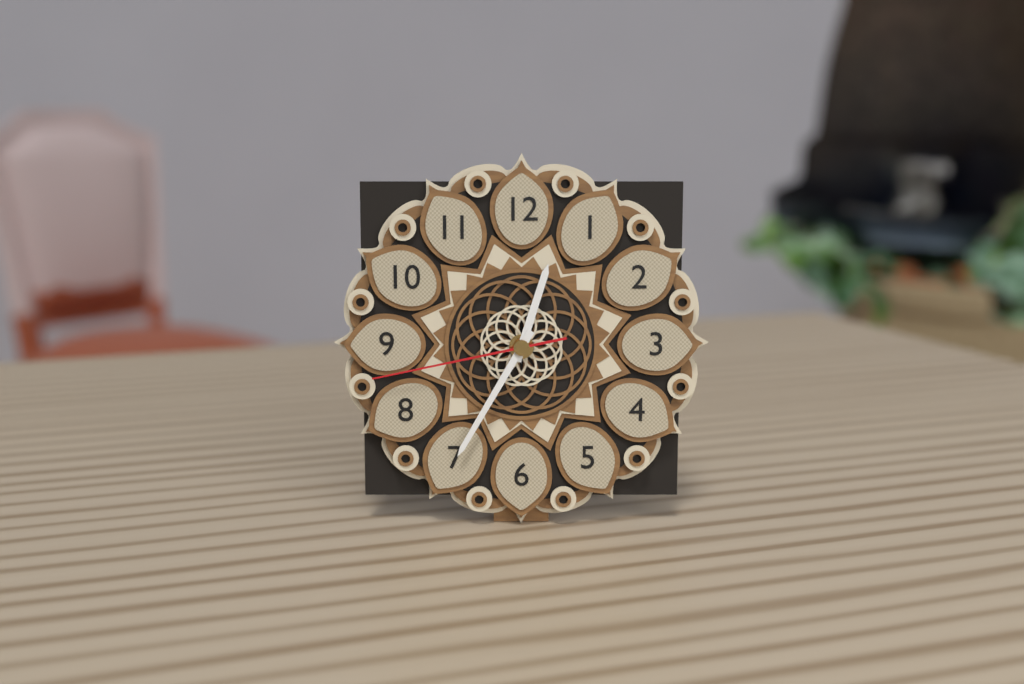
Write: 12,35,43
